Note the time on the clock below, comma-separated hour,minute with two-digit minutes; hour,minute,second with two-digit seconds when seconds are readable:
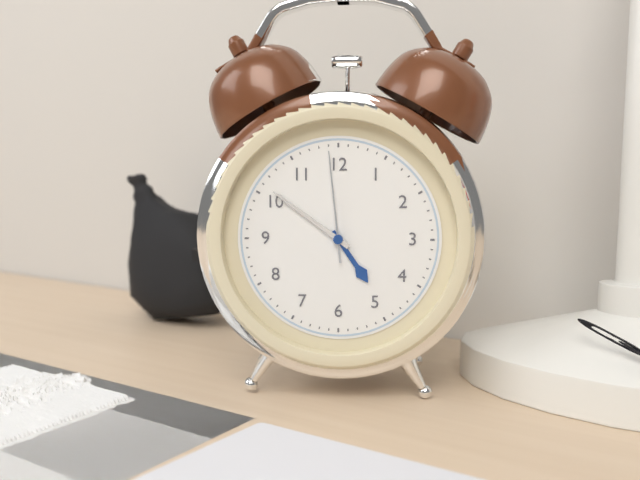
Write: 4,51,59
